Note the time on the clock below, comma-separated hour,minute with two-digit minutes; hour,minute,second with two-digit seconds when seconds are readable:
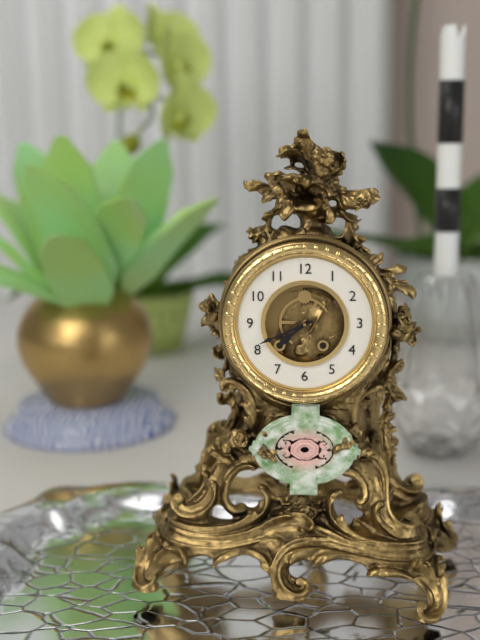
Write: 7,41
